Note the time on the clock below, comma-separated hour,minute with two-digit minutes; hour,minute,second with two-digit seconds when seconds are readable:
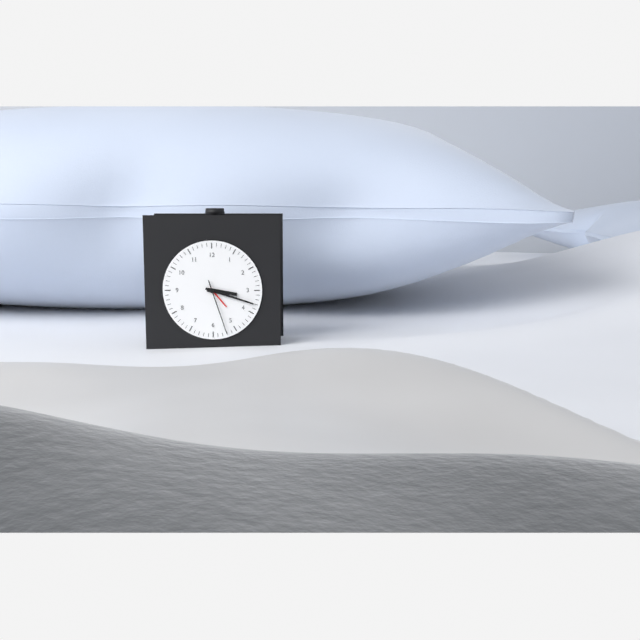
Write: 3,18,27
